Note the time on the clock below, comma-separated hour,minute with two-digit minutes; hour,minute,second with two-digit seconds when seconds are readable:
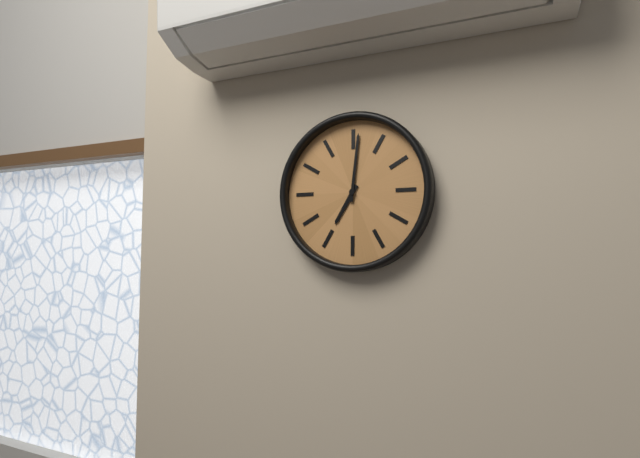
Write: 7,01
